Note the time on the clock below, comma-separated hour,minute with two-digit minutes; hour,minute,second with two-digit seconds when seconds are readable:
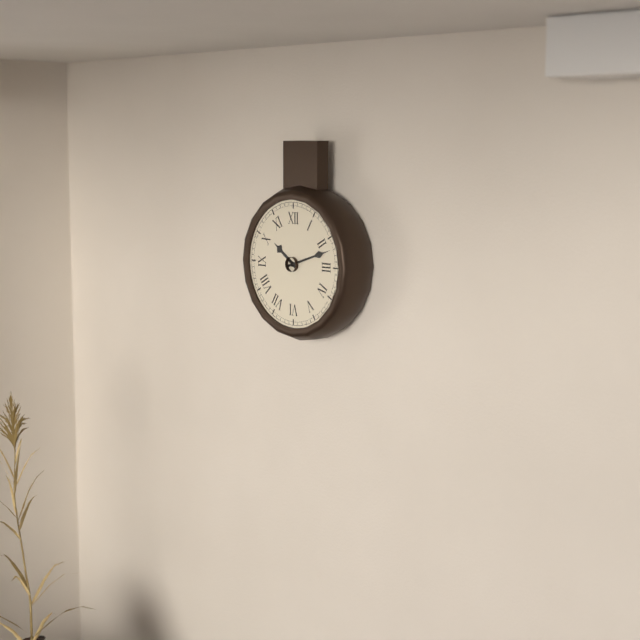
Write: 10,12
